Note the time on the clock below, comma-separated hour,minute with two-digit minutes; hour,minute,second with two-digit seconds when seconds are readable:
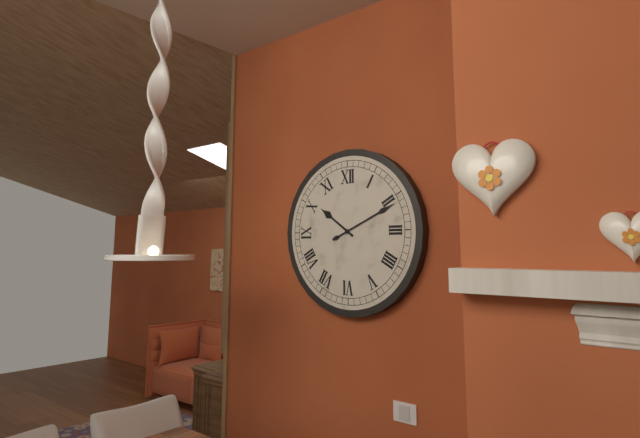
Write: 10,11
